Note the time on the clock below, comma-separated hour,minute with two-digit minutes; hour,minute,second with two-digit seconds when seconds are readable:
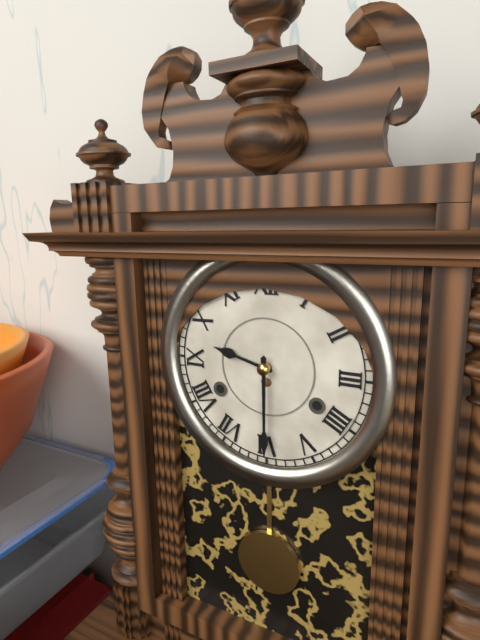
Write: 9,30
